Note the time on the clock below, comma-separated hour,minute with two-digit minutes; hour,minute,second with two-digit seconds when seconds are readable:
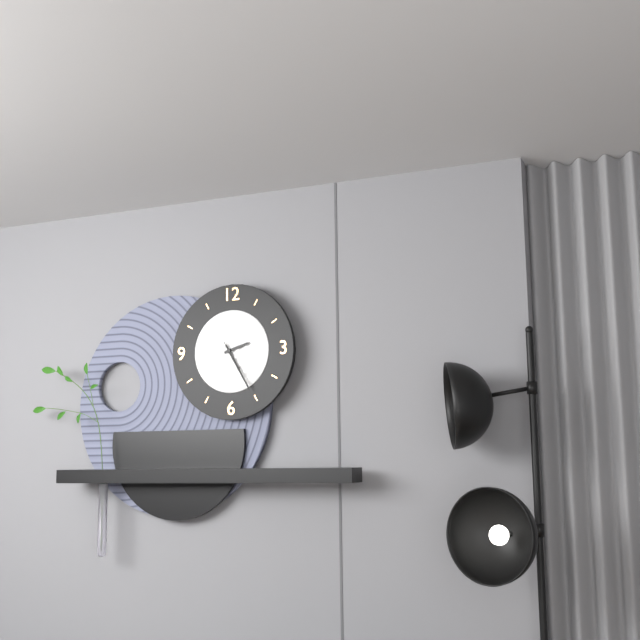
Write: 2,25,25
